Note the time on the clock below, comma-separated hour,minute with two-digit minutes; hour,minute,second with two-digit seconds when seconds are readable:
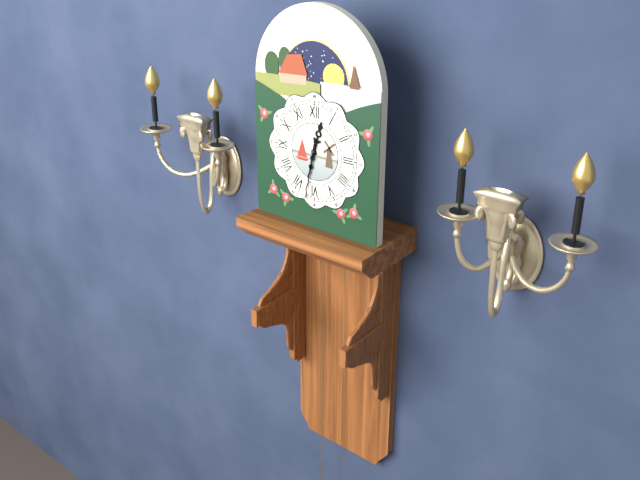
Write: 12,32
